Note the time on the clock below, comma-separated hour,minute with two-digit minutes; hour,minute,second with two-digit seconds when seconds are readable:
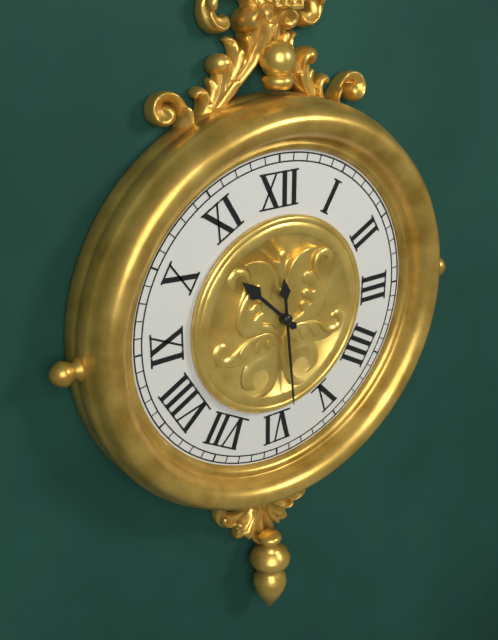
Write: 10,29
